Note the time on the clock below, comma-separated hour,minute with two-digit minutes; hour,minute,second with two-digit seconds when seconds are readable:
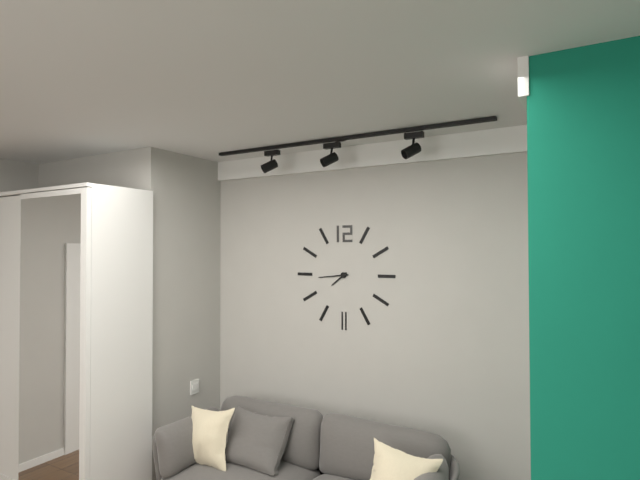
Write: 7,44
